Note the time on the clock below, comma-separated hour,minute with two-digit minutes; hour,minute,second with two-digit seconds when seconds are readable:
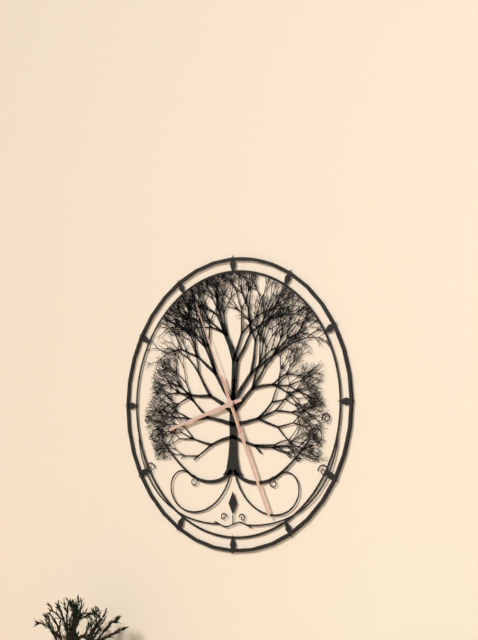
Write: 8,26,56
